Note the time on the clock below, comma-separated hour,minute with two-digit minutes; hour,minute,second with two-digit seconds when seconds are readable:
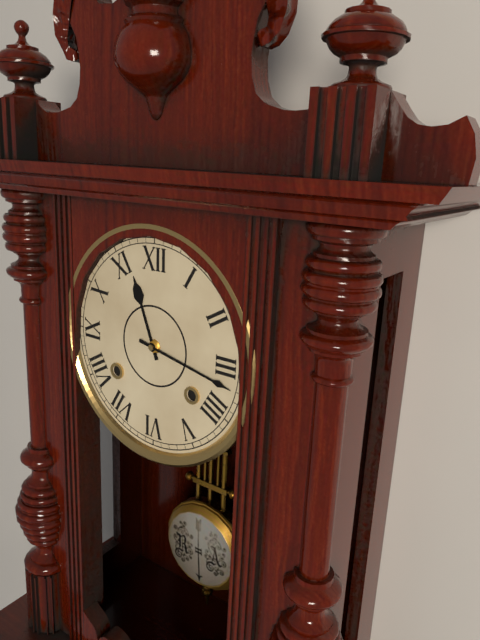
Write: 11,17
